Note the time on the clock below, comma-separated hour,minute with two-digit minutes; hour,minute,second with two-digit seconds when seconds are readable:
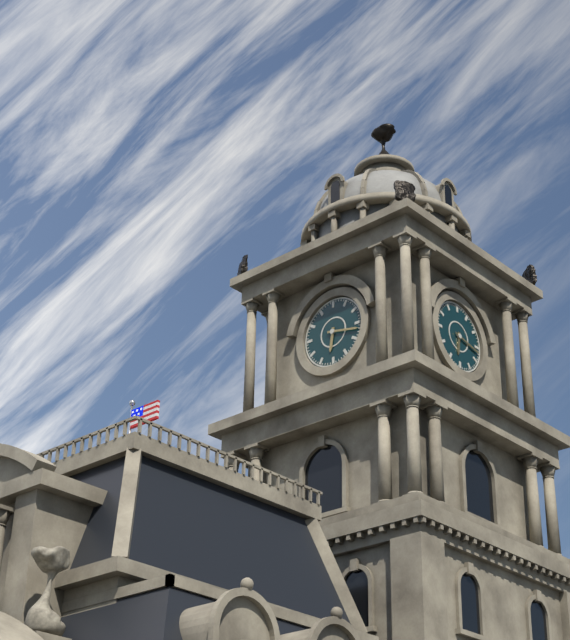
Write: 6,17
